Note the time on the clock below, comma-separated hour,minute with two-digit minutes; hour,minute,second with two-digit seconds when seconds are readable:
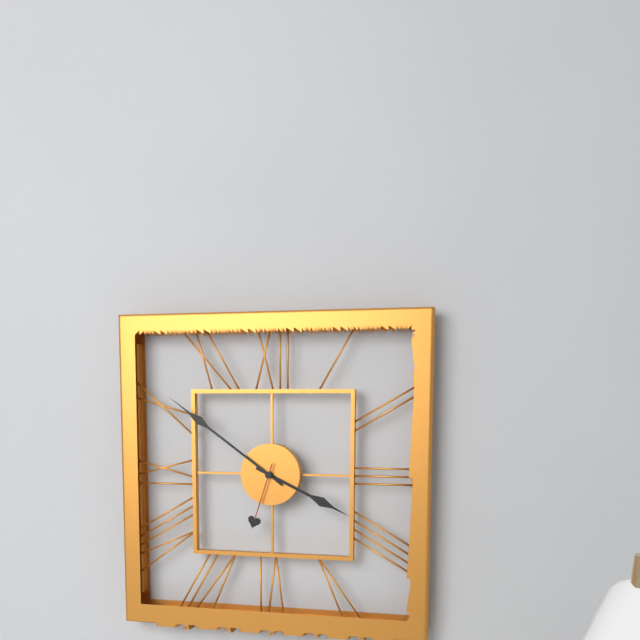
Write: 3,51,33
